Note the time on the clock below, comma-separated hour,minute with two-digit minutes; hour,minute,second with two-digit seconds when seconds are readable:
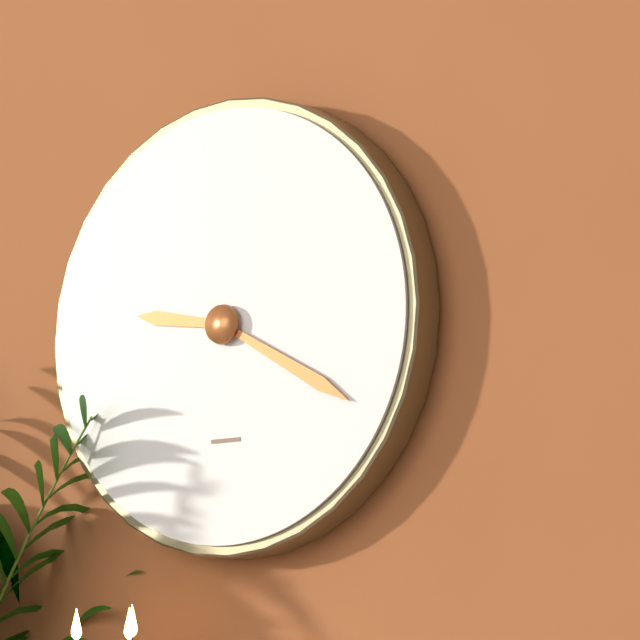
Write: 9,20
